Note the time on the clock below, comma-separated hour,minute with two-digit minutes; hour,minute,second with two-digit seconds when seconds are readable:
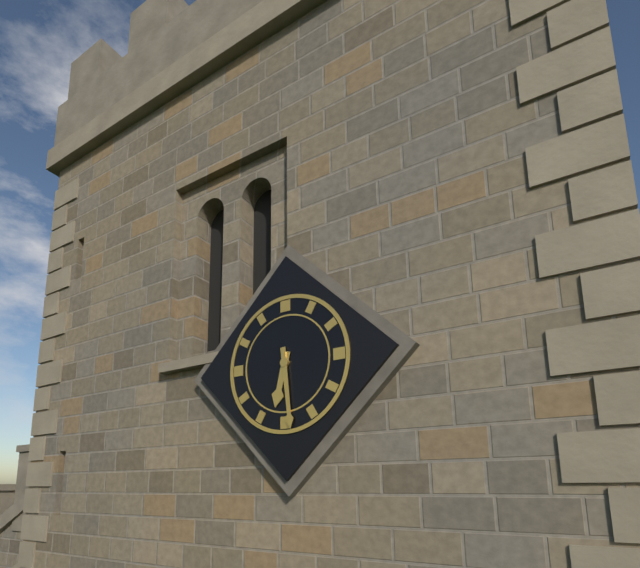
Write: 6,29
